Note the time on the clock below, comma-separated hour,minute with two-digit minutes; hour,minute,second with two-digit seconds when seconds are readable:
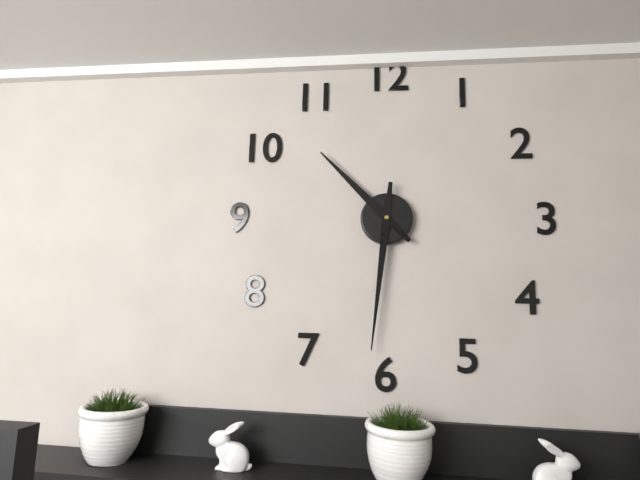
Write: 10,31
